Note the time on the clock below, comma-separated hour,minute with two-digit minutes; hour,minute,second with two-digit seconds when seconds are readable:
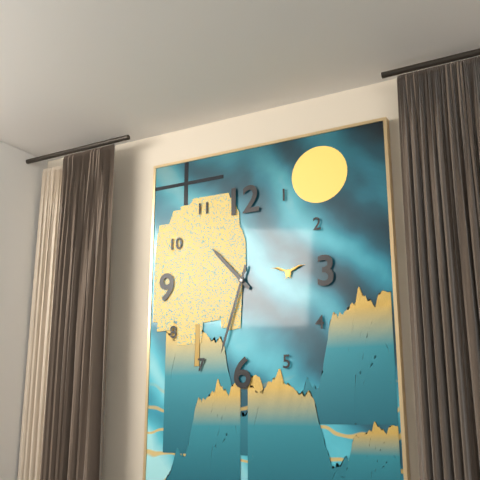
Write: 10,33
